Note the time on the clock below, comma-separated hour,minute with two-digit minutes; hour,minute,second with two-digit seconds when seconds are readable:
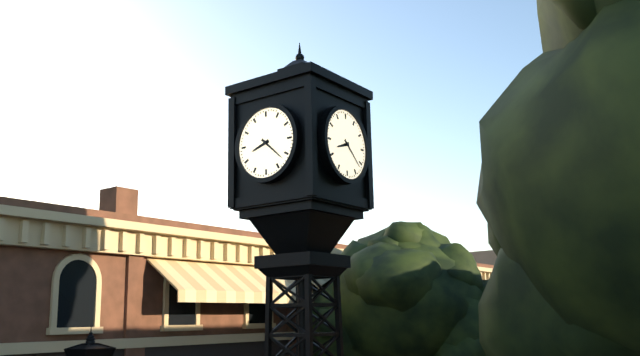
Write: 8,22
